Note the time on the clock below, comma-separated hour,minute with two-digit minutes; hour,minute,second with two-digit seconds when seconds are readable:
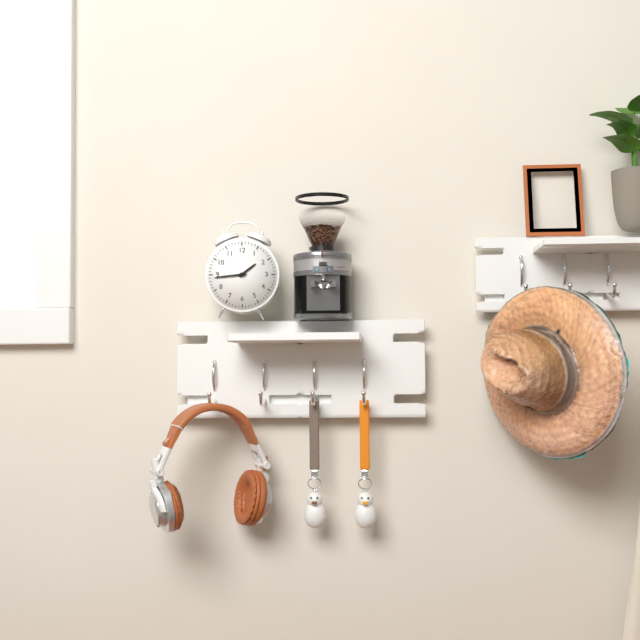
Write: 1,44
